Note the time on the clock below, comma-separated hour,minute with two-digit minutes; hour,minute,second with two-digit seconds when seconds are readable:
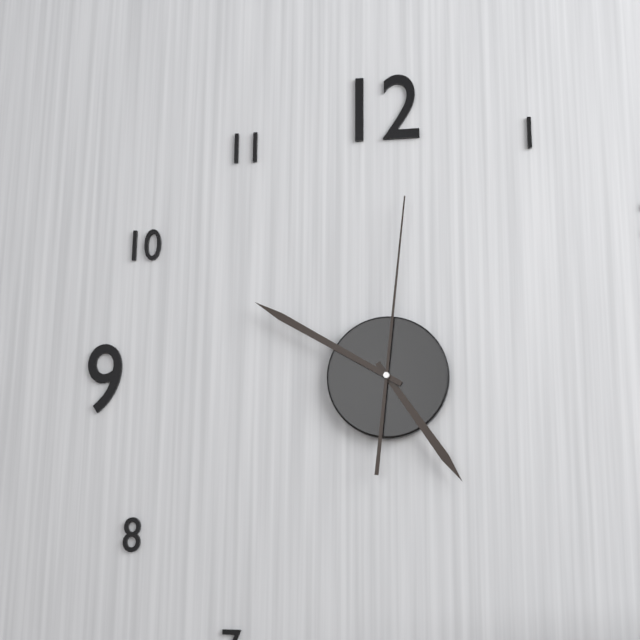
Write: 4,50,01
